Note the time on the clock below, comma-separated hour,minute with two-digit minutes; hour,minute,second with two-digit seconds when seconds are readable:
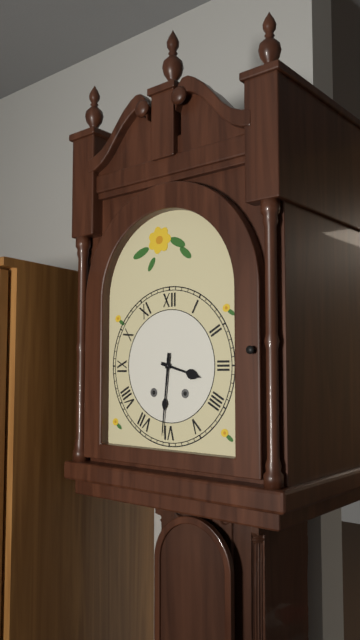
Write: 3,31
